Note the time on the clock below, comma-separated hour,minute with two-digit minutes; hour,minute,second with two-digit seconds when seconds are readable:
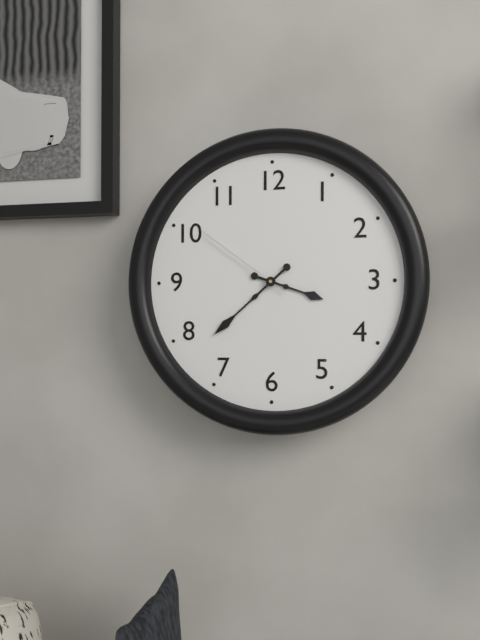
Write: 3,38,51
